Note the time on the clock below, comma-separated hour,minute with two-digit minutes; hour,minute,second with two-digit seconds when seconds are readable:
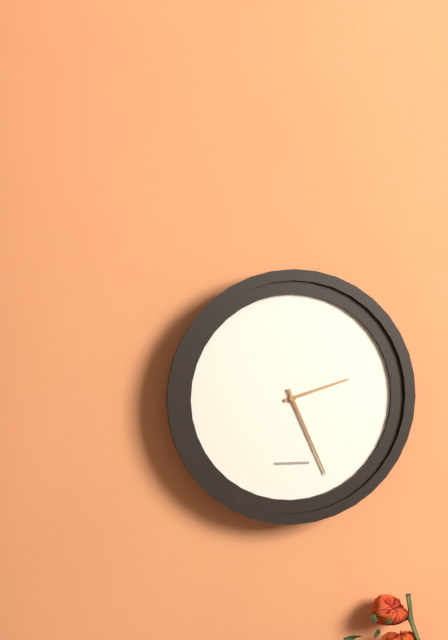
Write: 2,26
